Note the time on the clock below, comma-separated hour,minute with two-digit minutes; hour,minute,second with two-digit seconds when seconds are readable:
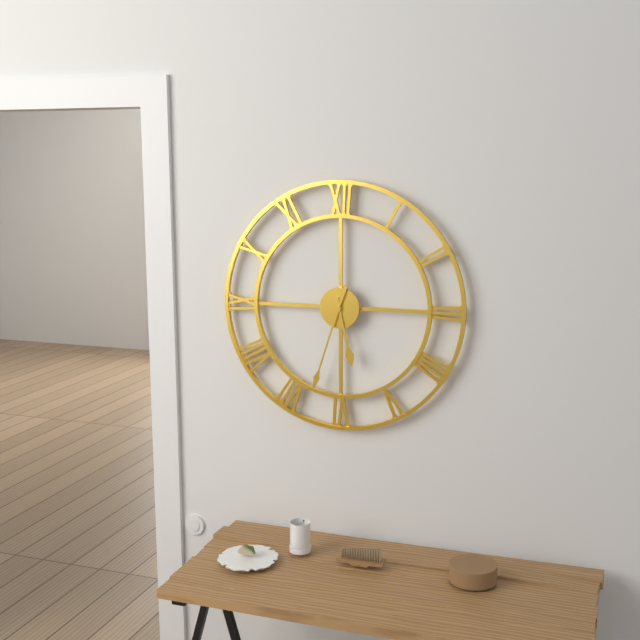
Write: 5,33
